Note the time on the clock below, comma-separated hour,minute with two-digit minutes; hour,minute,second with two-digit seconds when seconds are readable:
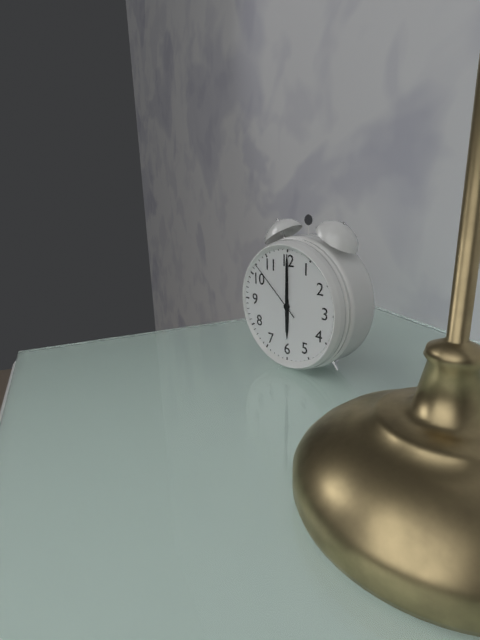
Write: 6,00,52
